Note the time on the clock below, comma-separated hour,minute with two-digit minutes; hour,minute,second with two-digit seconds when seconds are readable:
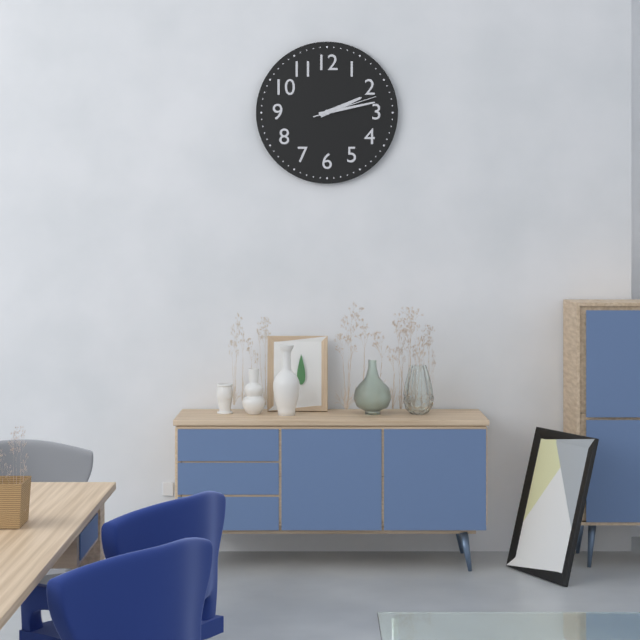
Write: 2,13,12
